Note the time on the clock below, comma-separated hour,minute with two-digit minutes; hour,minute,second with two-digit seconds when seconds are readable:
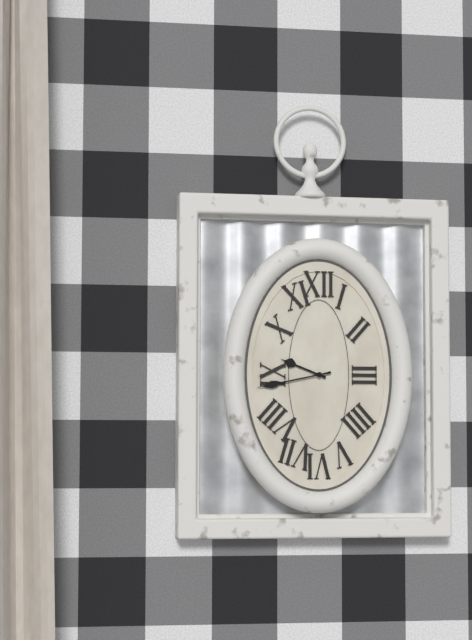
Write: 9,43
